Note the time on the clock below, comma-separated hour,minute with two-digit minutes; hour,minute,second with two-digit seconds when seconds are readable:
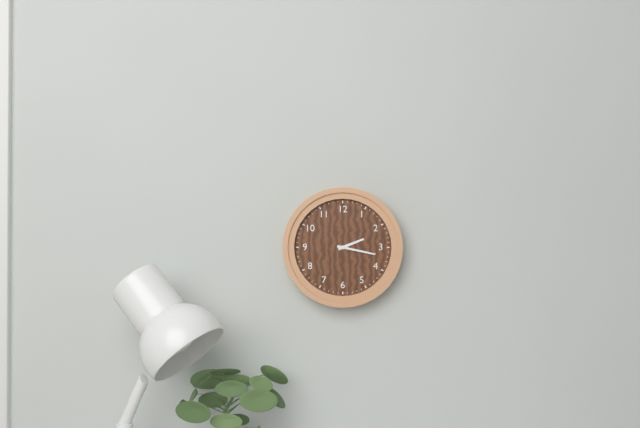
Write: 2,17
